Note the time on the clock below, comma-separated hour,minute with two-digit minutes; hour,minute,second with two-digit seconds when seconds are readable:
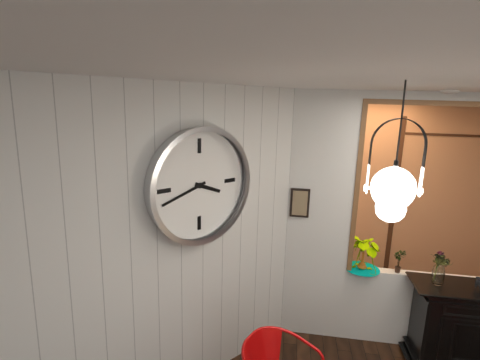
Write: 3,42
